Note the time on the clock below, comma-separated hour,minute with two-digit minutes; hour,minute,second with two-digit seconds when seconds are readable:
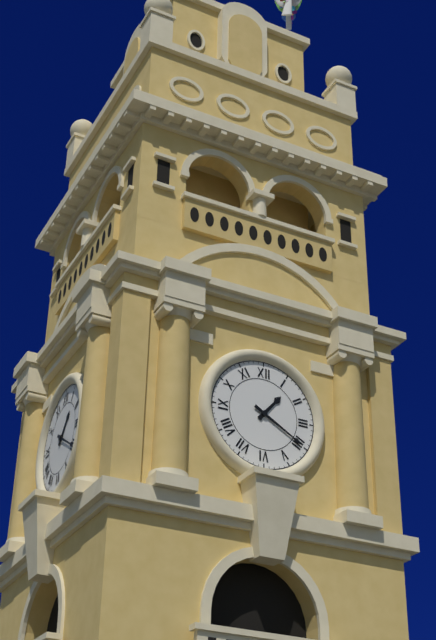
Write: 1,20
